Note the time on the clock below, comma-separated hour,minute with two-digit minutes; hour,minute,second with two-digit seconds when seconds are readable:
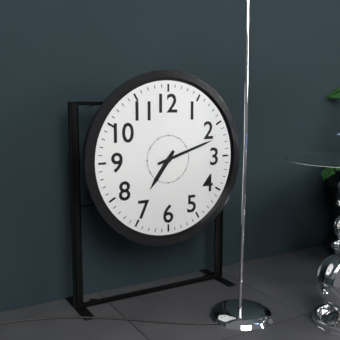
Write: 7,12
